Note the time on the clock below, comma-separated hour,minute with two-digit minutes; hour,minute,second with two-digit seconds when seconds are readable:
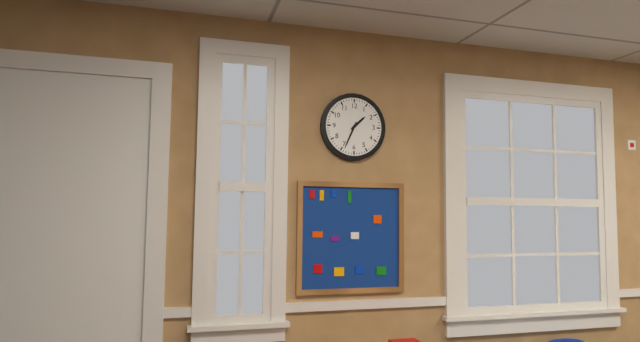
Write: 1,34
